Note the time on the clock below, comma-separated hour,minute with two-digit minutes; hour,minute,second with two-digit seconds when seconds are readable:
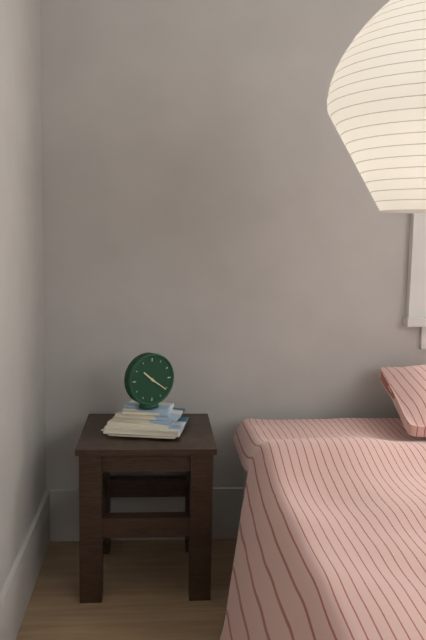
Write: 10,21
